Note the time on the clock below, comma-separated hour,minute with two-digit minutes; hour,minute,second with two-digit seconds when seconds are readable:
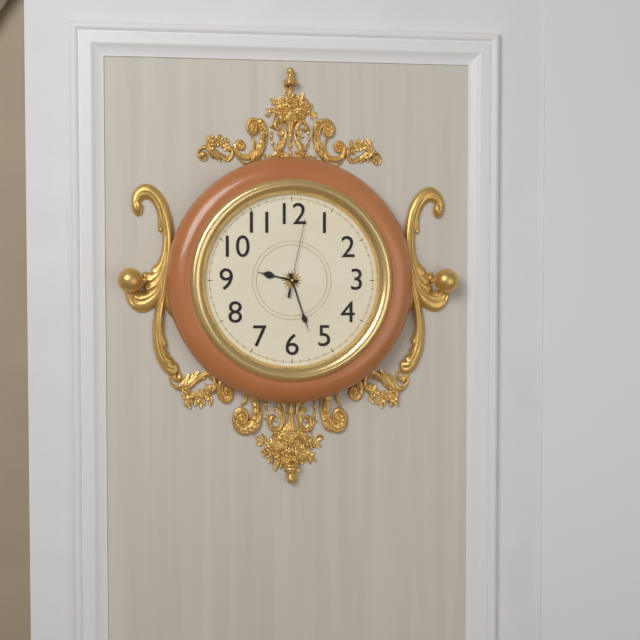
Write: 9,27,02
